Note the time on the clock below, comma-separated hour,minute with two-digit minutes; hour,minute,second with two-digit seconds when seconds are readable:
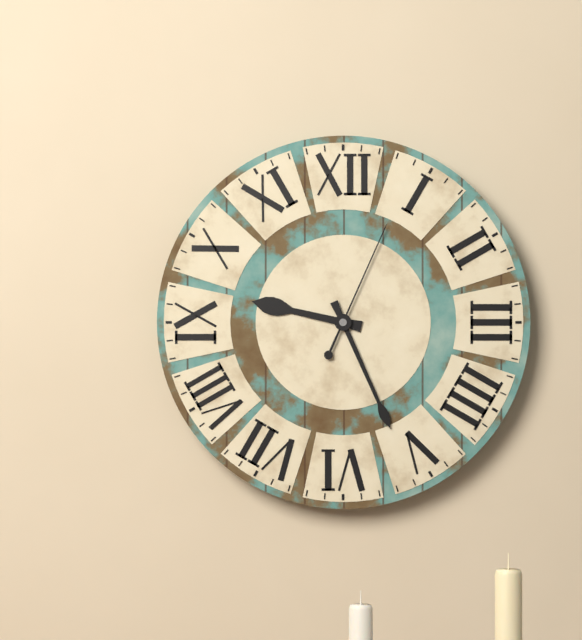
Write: 9,26,04
